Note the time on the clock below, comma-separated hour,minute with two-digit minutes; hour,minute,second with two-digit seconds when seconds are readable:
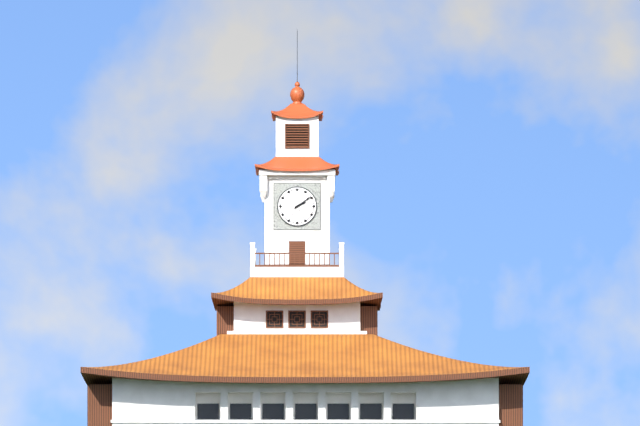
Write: 2,09
